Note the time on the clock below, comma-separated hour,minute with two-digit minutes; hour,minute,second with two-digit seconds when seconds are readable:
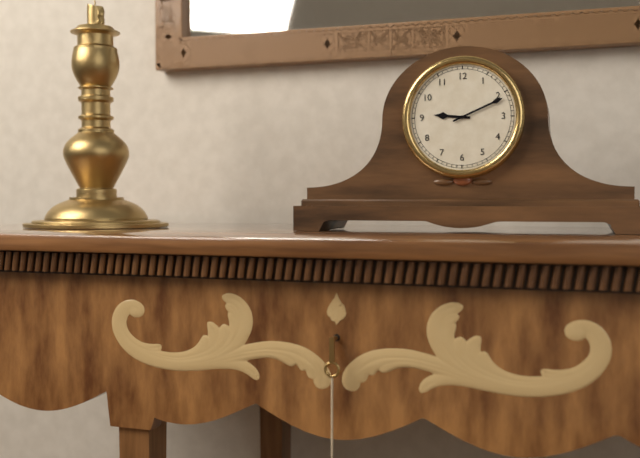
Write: 9,11
